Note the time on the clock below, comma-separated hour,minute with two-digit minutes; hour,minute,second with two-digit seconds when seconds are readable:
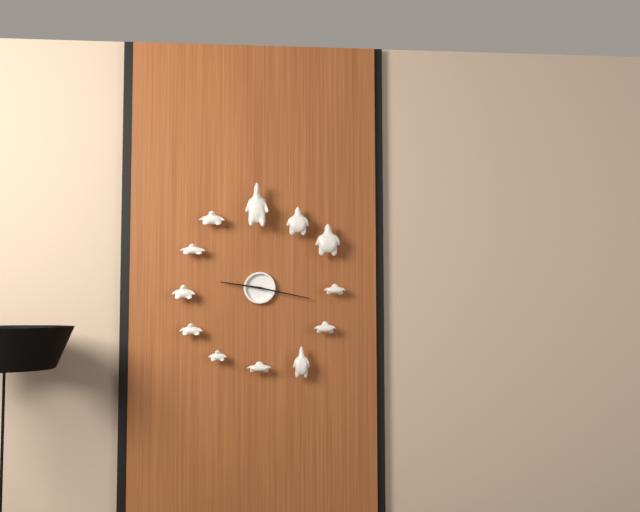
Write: 9,17
